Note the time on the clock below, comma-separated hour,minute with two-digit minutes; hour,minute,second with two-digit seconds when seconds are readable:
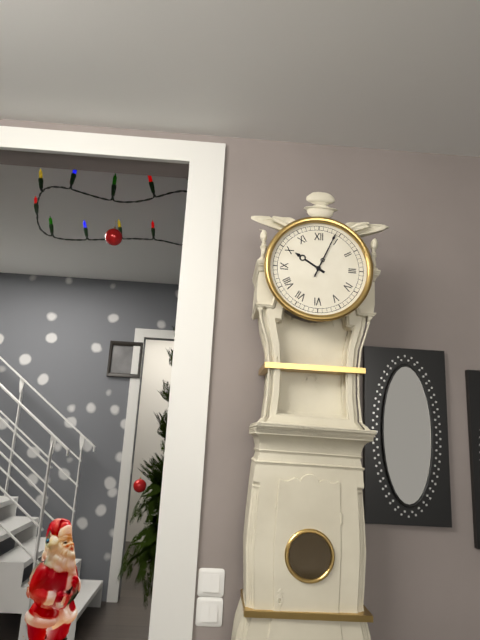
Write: 10,04
